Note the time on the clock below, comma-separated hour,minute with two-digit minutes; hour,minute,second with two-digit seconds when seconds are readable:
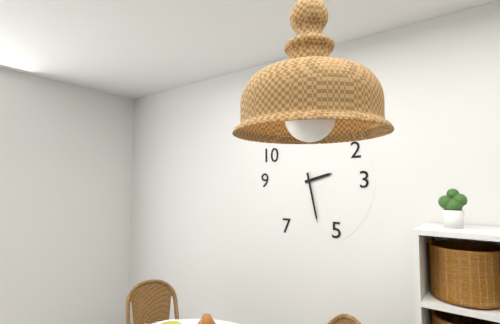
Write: 2,28
